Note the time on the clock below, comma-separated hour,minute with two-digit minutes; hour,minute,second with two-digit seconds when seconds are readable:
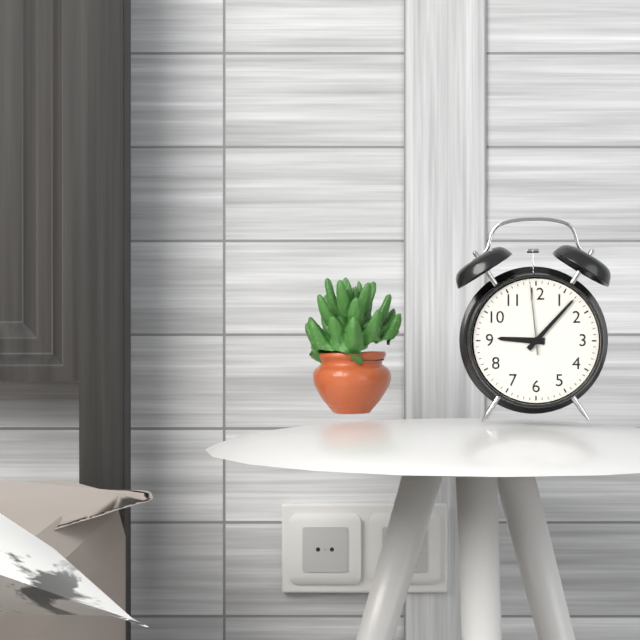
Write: 9,07,59
